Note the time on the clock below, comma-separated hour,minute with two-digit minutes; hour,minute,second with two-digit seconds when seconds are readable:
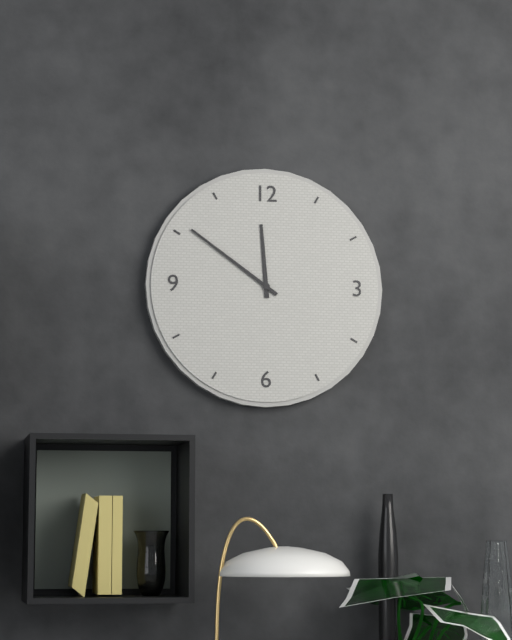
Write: 11,51
